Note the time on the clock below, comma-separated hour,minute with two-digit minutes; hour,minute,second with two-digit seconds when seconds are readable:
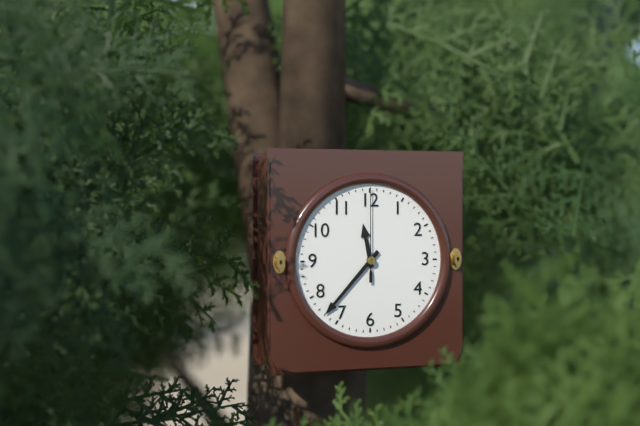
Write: 11,37,00
